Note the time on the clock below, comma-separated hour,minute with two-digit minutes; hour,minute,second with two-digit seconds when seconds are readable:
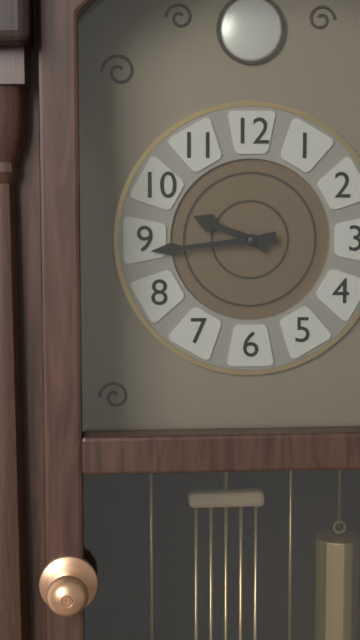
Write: 9,44
